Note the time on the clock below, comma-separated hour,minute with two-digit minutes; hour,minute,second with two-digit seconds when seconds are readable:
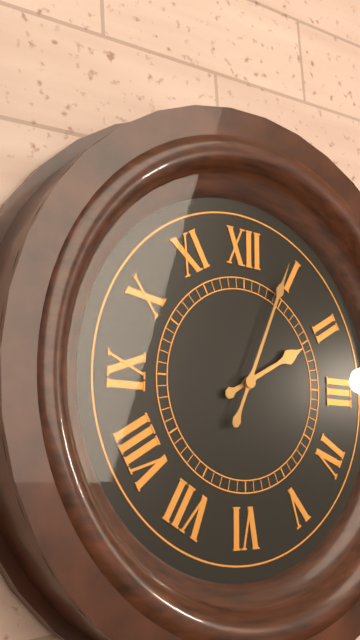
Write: 2,04
